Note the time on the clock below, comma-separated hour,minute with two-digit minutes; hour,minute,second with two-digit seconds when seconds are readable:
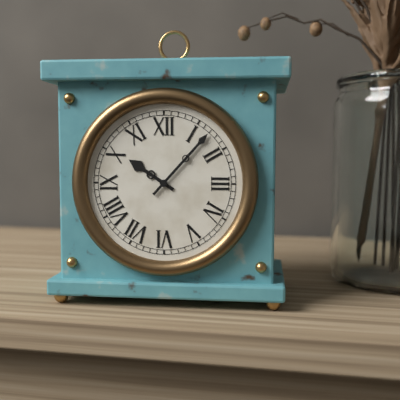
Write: 10,07
